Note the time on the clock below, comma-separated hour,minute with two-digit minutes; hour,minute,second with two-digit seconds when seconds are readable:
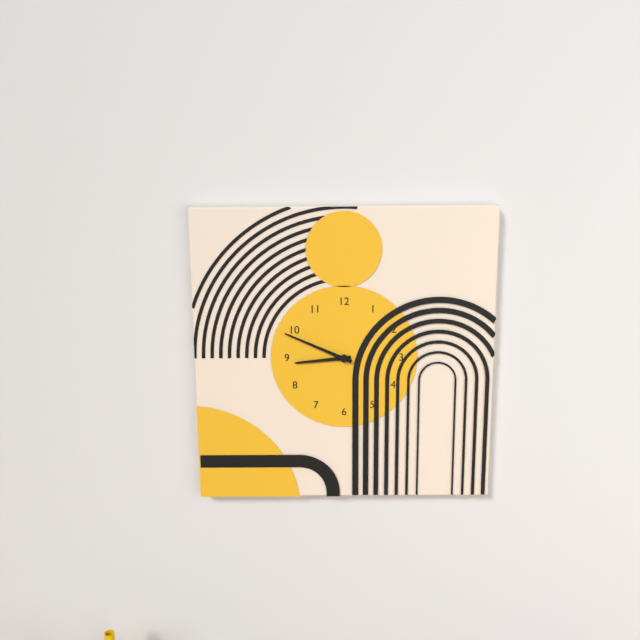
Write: 8,49
